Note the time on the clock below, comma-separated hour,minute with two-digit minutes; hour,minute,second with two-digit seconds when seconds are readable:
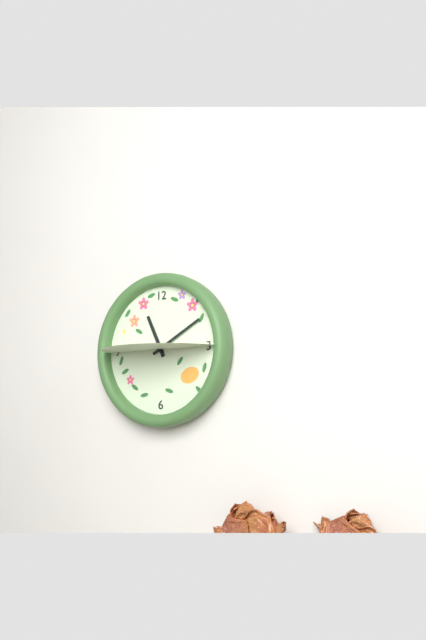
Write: 11,10
